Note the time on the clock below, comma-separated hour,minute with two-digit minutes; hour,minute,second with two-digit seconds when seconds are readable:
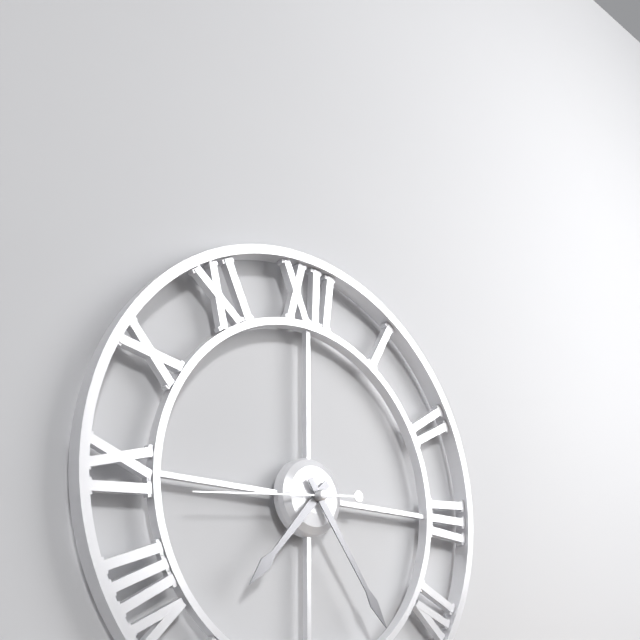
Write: 7,24,44
